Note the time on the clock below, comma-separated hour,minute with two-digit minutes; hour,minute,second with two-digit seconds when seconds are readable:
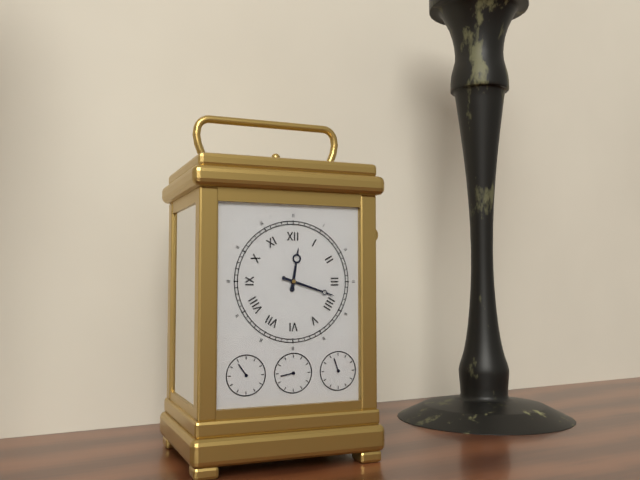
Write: 12,18
